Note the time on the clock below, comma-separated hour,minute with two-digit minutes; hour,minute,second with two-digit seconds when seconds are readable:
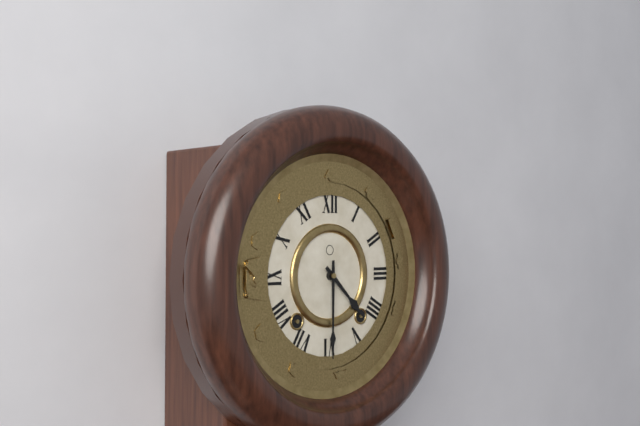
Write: 4,30
